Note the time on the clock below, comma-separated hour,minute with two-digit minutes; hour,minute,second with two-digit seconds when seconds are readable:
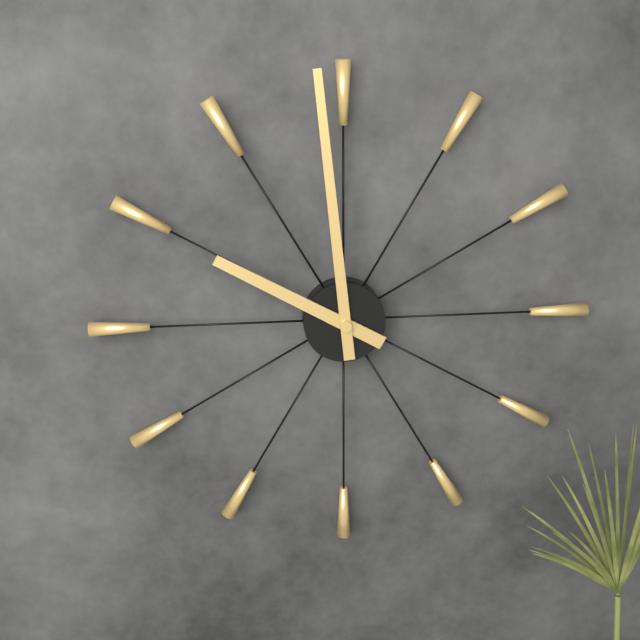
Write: 9,59
